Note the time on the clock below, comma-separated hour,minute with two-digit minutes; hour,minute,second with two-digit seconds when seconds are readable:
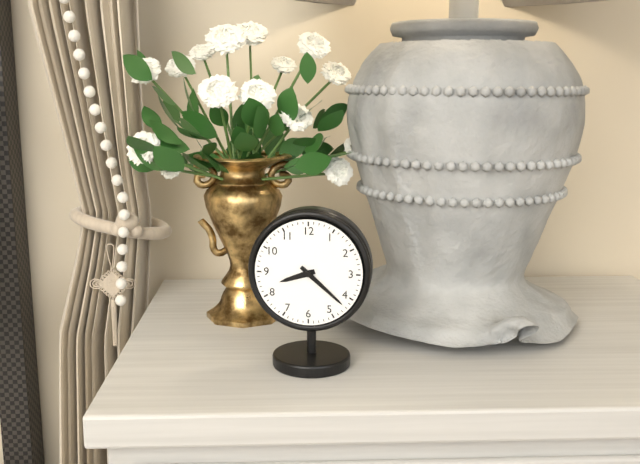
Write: 8,22
